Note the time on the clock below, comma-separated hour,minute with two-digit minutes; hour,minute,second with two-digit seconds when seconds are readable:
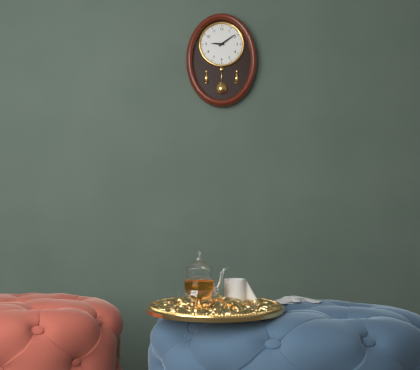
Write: 9,09
